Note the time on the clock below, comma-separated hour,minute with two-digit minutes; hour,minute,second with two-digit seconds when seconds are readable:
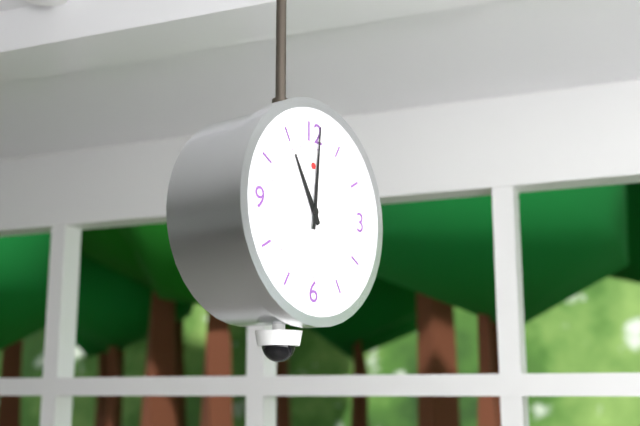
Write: 11,01
